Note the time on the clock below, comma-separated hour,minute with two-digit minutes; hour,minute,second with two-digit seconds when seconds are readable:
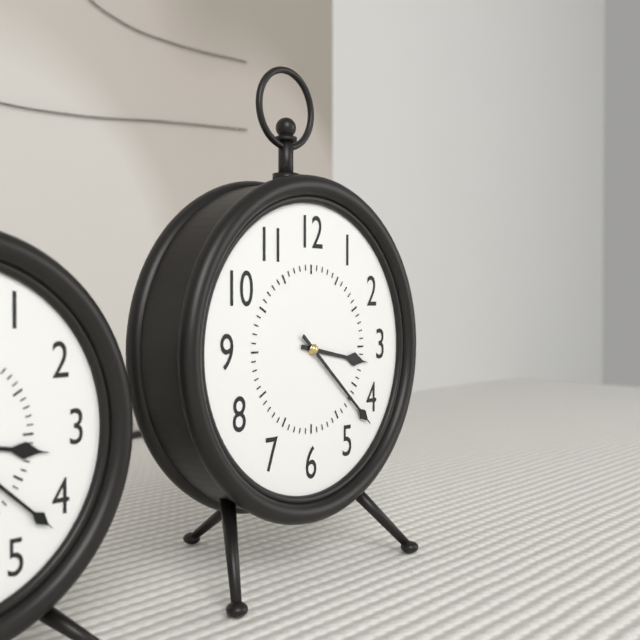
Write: 3,22
